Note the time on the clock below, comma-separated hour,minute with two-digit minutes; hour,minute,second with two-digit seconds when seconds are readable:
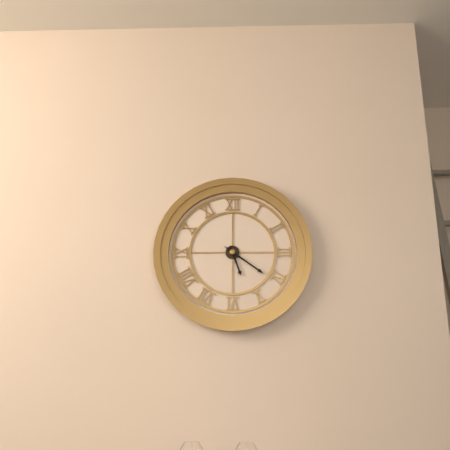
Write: 5,21
